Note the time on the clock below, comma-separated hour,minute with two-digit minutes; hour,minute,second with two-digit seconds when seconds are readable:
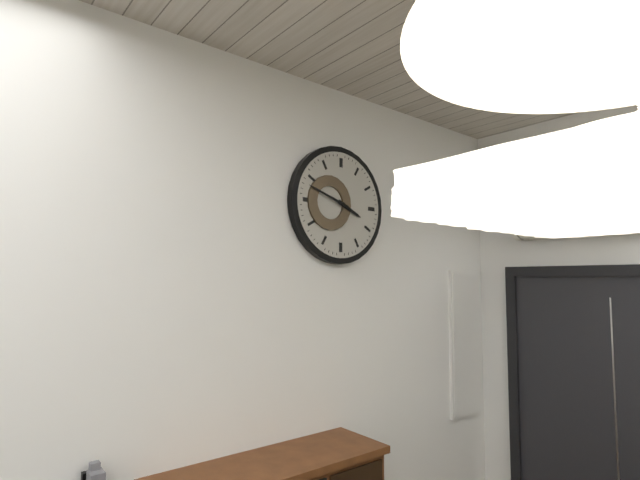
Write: 3,48
